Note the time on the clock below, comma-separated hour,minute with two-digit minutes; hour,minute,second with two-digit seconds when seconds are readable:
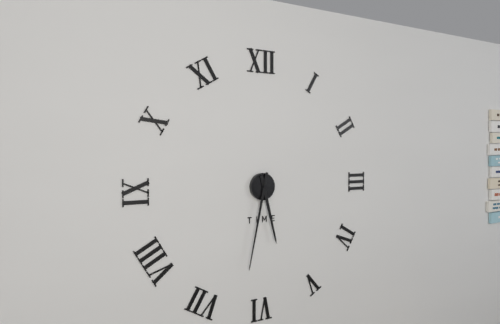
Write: 5,32
